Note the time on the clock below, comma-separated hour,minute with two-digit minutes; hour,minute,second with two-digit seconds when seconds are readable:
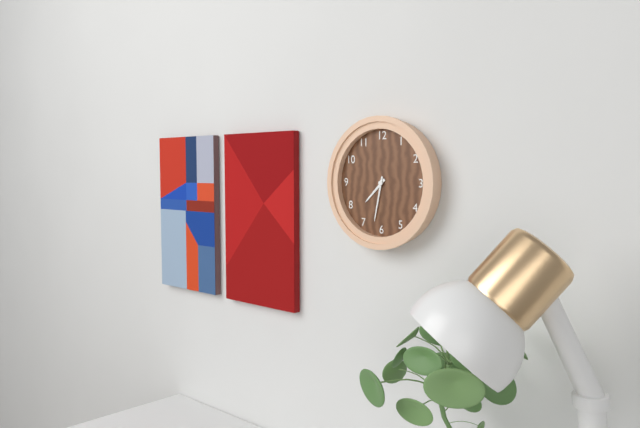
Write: 7,32
